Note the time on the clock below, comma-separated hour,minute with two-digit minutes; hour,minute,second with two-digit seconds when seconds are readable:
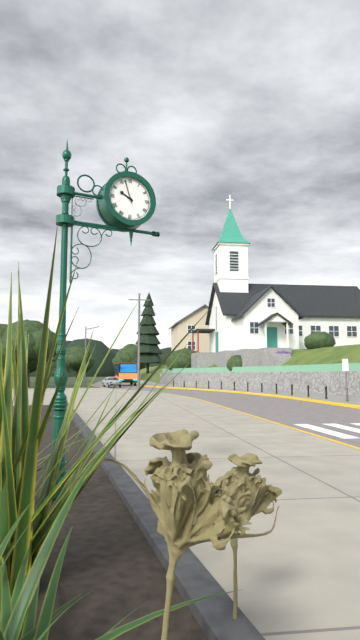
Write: 9,57
